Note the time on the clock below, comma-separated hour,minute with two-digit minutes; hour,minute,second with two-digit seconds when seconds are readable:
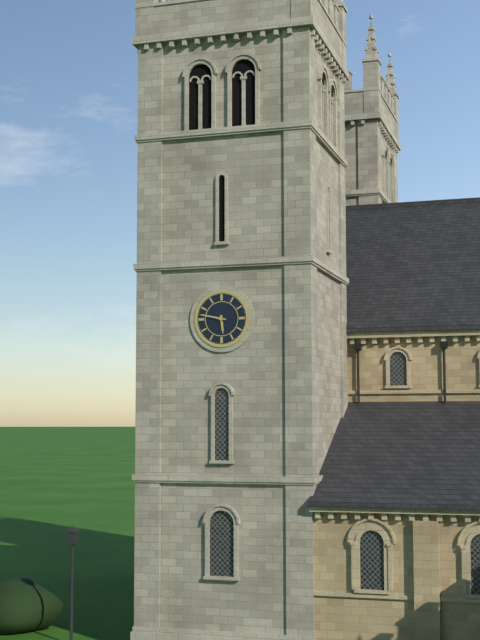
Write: 5,47
